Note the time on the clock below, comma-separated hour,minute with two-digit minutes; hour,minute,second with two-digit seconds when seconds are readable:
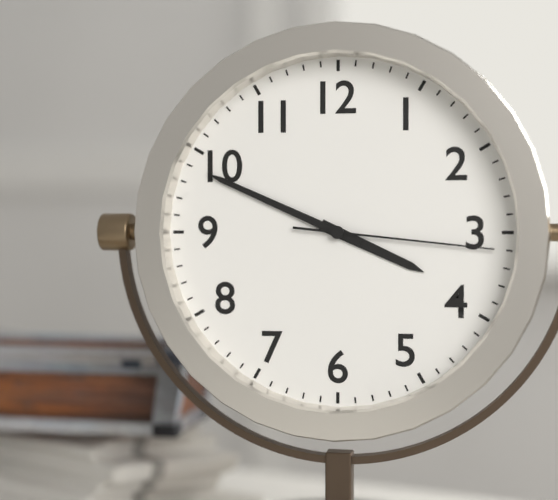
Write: 3,49,16
